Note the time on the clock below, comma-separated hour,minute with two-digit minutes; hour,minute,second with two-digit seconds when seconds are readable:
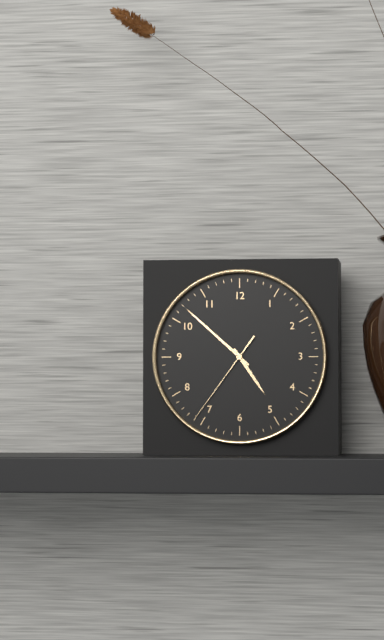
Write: 4,52,36
